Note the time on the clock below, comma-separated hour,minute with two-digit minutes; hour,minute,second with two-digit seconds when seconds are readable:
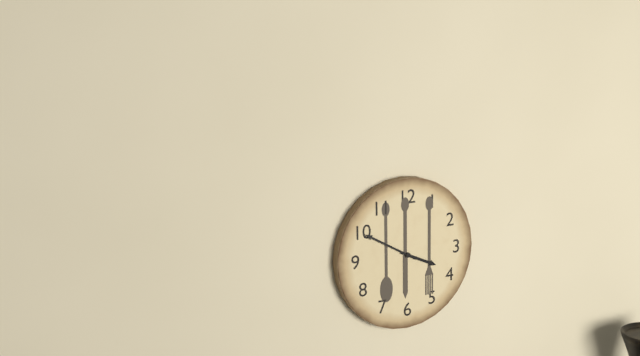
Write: 3,50
